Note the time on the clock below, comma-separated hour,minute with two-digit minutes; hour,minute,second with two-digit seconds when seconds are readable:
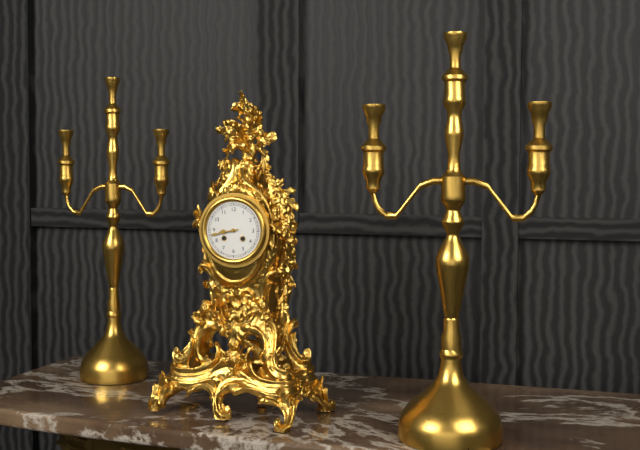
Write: 8,43
